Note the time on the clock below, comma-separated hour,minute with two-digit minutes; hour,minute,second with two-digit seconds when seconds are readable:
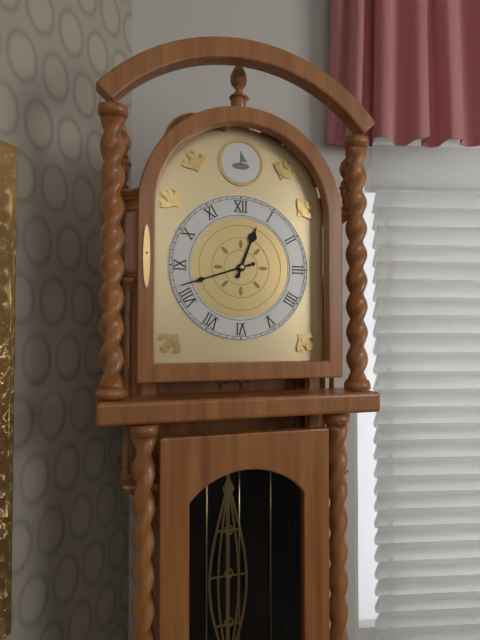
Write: 12,42
